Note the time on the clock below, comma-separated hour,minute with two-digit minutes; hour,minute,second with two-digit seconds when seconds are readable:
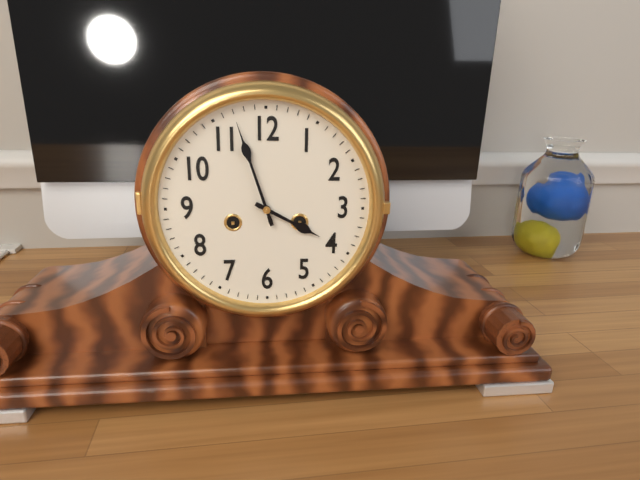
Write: 3,57
